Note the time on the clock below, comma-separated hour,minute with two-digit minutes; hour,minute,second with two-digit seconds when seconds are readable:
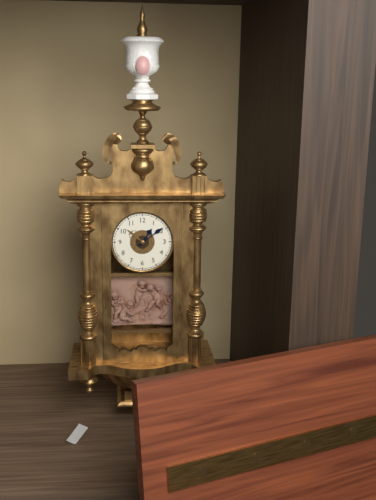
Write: 1,09
